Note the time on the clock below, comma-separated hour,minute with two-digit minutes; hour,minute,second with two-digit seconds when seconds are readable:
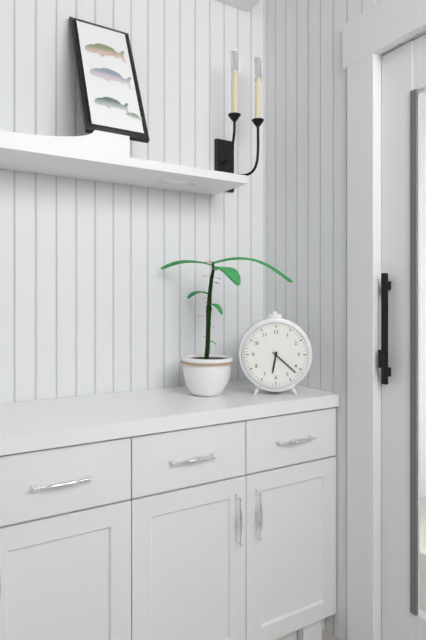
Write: 6,22
